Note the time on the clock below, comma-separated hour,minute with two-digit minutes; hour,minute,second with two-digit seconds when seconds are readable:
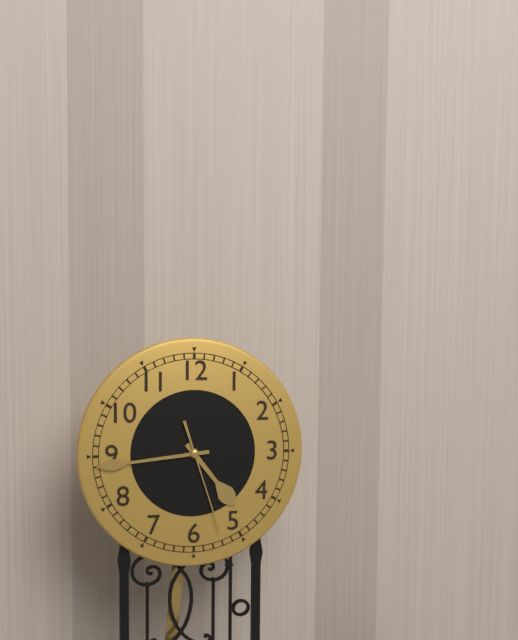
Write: 4,44,27
